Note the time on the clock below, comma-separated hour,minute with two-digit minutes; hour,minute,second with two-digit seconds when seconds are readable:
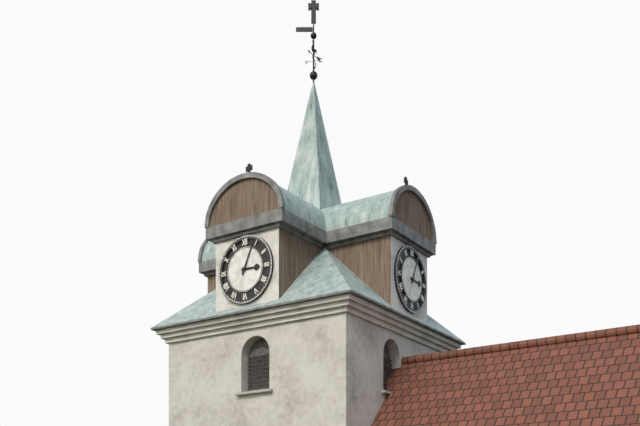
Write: 3,04
